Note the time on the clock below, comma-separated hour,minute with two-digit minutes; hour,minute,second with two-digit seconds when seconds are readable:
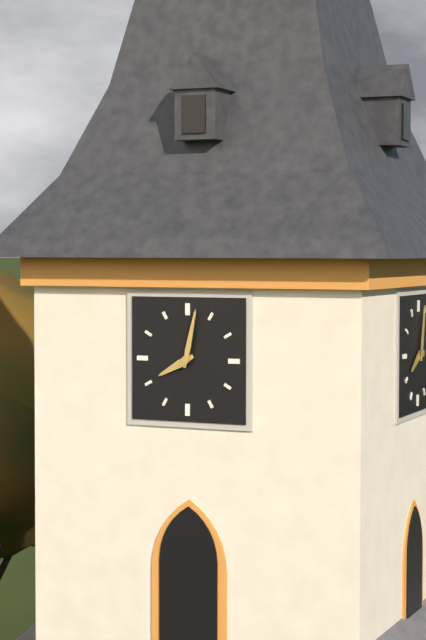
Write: 8,02
